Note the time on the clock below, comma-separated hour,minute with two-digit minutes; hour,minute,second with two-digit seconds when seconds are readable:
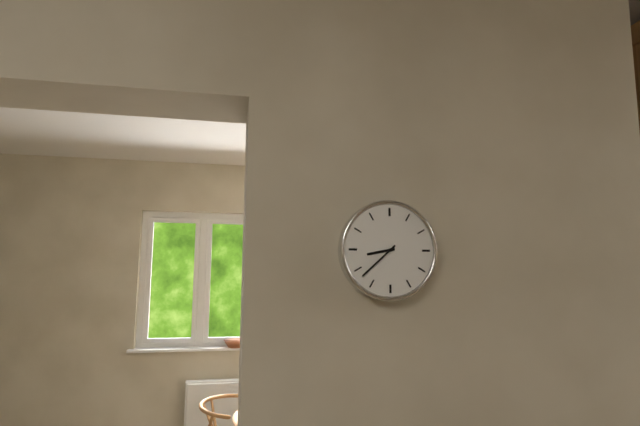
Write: 8,38
